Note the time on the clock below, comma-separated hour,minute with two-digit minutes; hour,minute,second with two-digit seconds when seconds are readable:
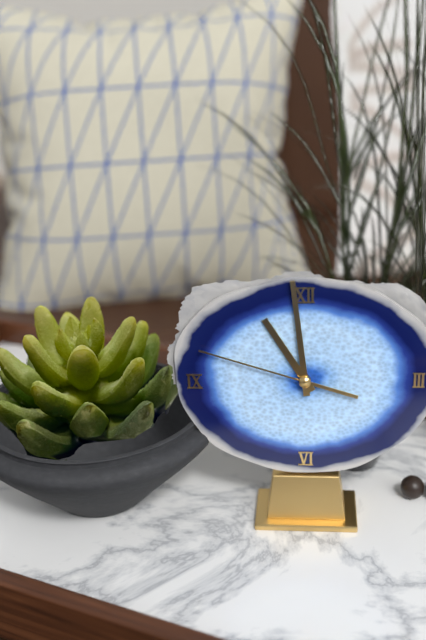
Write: 10,59,48
